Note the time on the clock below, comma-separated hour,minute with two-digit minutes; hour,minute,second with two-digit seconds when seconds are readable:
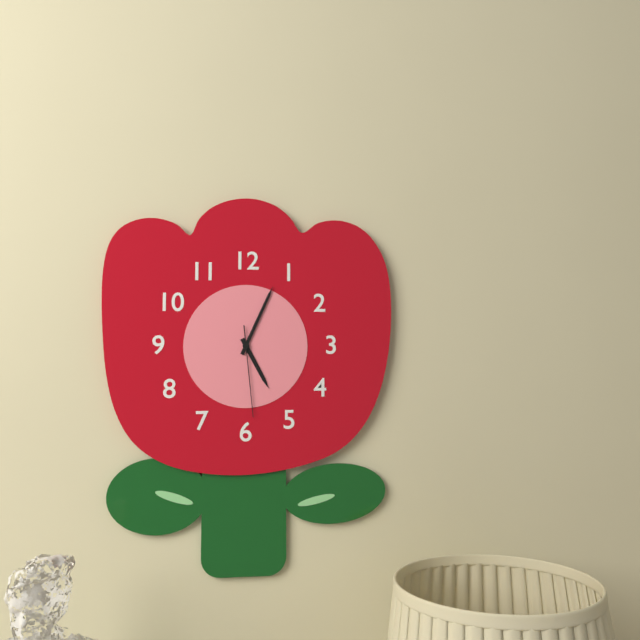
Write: 5,04,29
